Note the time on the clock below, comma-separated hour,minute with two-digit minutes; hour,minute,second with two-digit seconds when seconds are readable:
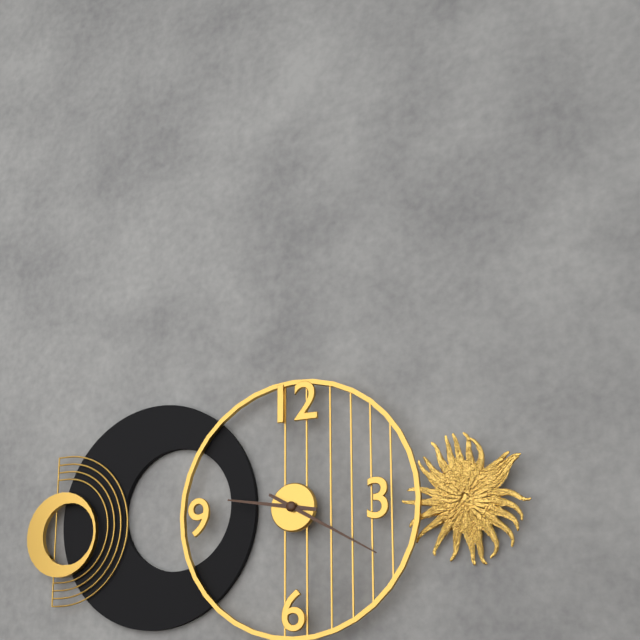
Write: 9,20
